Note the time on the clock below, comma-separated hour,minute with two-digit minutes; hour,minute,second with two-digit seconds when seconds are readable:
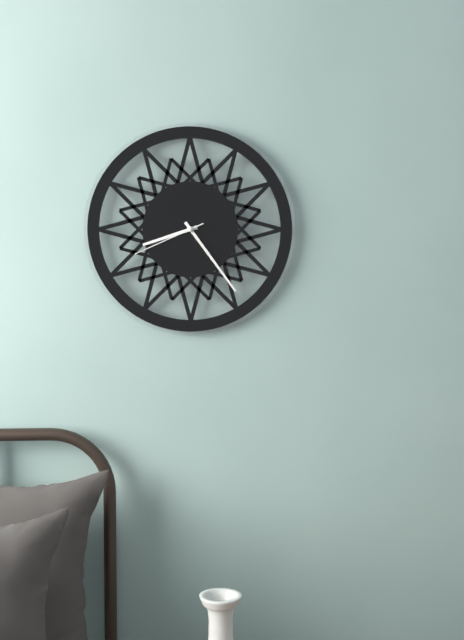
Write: 8,24,41
